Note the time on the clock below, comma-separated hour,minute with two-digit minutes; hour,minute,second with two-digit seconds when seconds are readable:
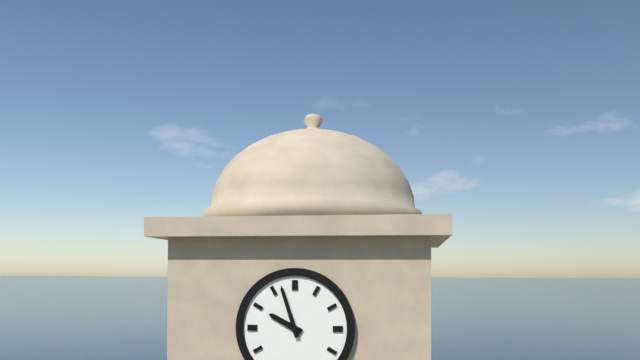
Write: 9,57
